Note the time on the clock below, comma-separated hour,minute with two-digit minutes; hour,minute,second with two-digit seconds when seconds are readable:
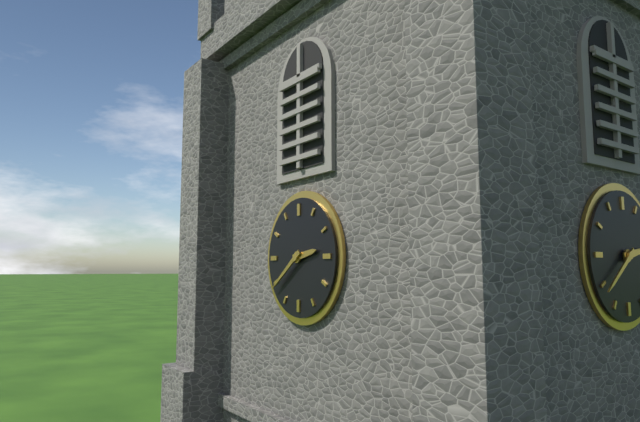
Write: 2,39
